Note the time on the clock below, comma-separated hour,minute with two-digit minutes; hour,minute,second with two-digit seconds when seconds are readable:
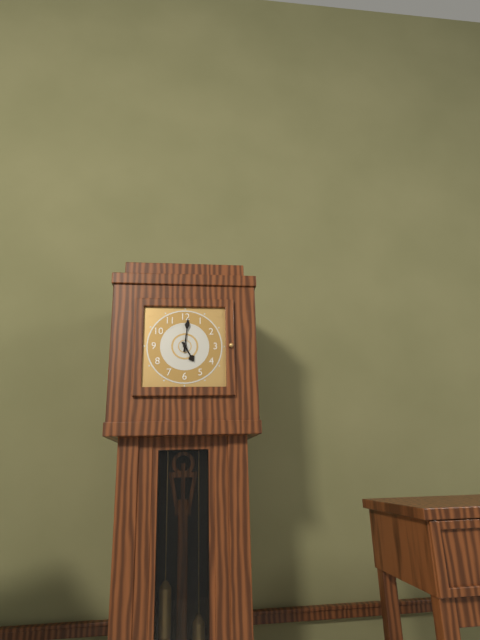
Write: 5,01
